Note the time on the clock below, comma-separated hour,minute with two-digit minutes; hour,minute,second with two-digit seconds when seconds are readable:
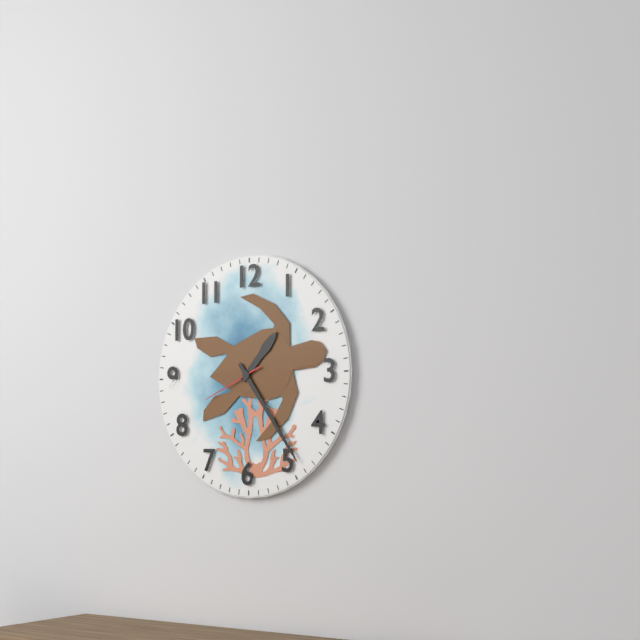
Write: 1,24,41
